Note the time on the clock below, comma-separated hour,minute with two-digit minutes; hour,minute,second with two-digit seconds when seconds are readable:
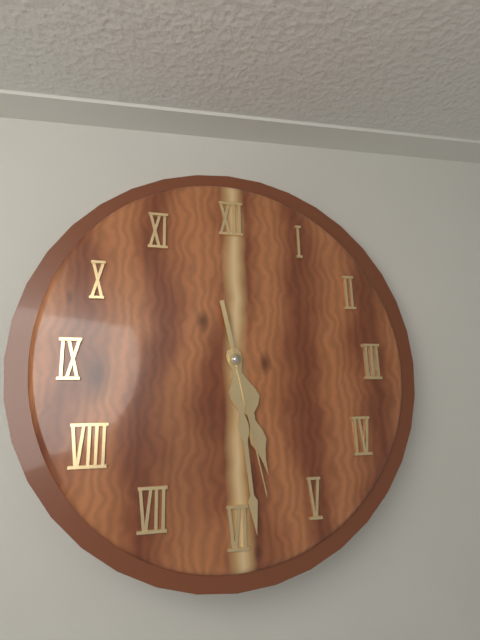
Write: 5,29,28
